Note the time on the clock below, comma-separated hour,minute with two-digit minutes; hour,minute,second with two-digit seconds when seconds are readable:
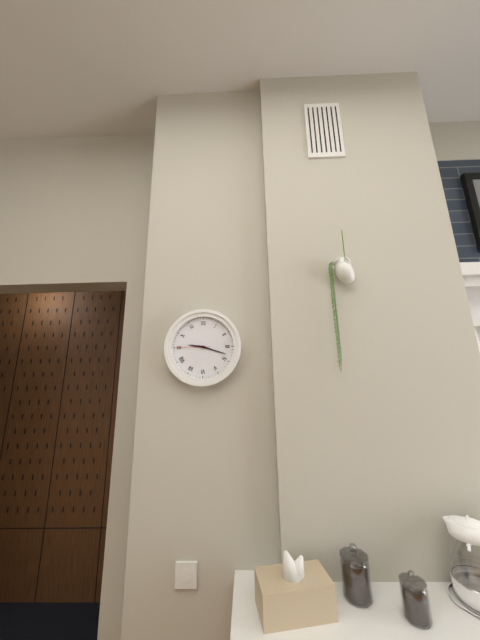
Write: 9,18
